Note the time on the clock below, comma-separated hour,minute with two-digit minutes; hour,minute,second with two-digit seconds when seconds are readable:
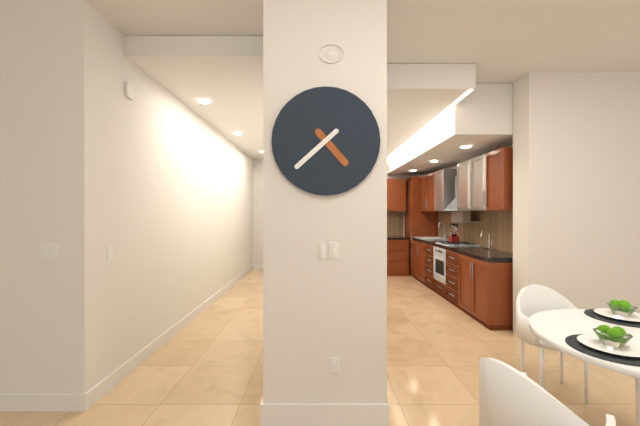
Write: 4,38
